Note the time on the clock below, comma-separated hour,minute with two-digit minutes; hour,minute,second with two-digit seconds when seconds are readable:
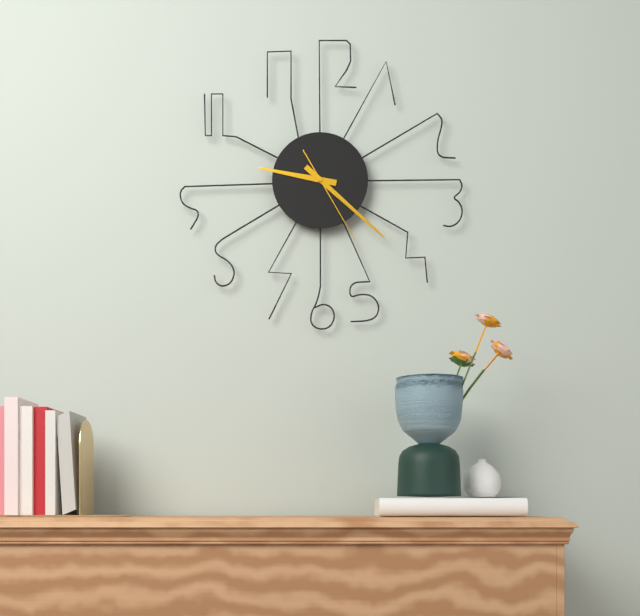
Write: 9,22,25
